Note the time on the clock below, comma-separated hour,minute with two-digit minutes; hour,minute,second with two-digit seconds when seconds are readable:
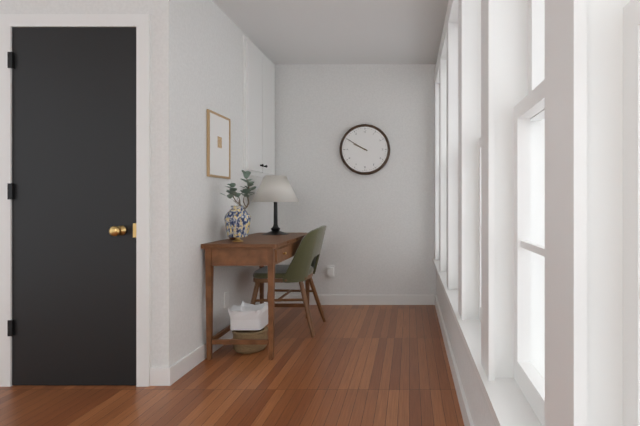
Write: 9,50
